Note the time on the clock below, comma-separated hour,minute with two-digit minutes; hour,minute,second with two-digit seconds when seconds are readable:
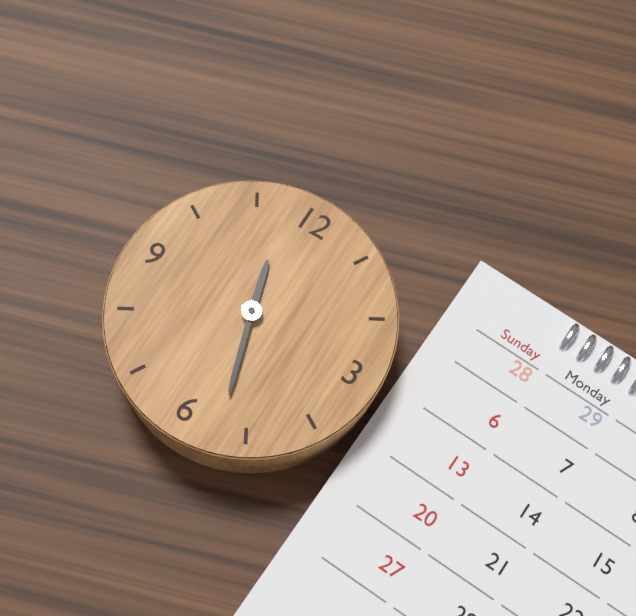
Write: 11,27
